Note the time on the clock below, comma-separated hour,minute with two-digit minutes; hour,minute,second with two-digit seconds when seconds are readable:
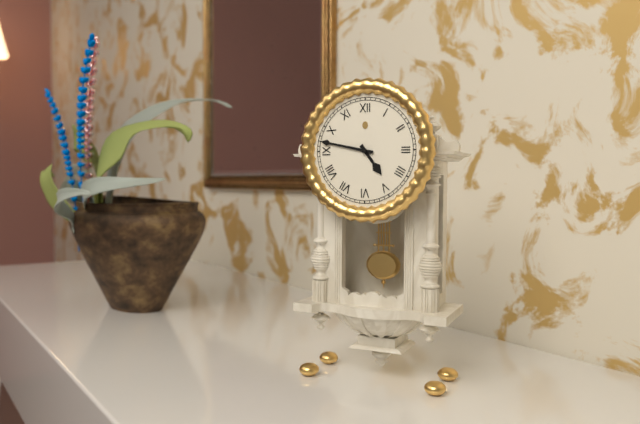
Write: 4,47
